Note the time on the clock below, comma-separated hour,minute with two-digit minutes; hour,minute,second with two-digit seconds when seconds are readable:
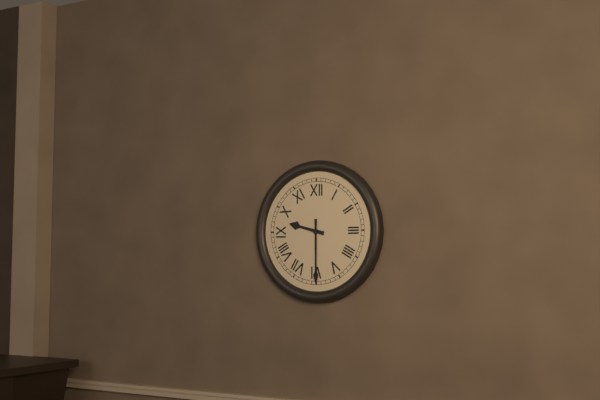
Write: 9,30
